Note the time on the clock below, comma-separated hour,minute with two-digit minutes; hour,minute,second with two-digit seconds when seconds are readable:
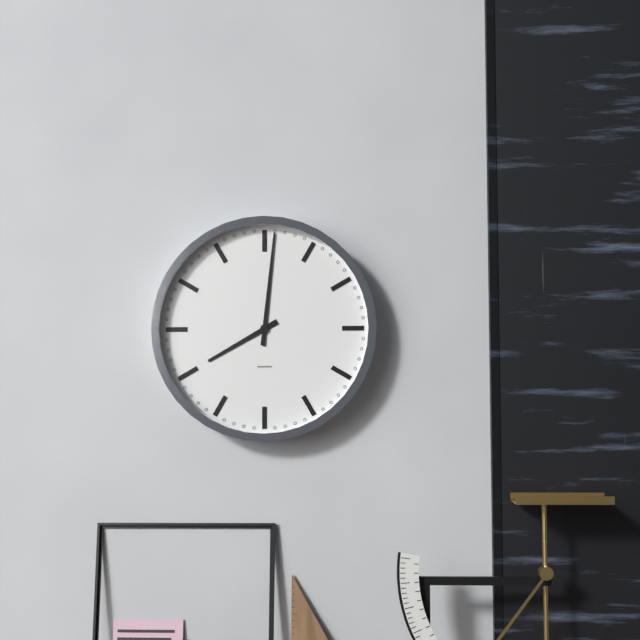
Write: 8,01
